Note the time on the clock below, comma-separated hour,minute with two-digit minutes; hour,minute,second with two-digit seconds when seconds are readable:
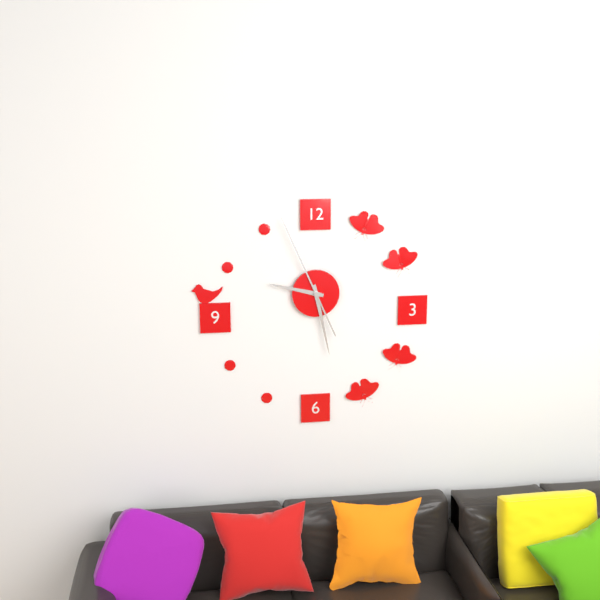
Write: 9,28,56
